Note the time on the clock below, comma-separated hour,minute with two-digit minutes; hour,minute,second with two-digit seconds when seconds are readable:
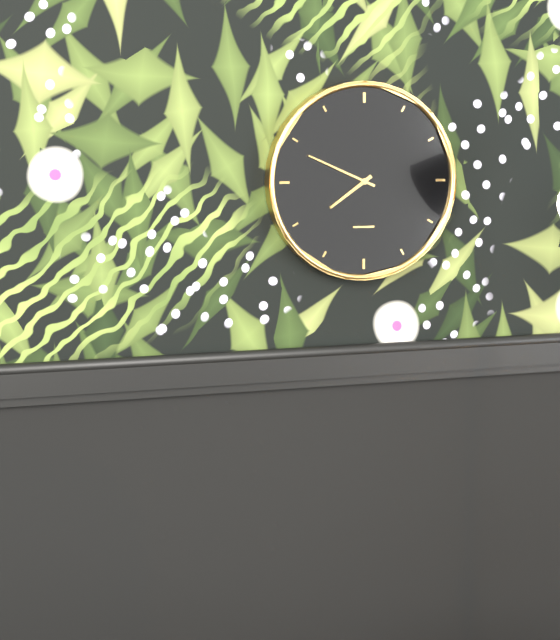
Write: 7,49
